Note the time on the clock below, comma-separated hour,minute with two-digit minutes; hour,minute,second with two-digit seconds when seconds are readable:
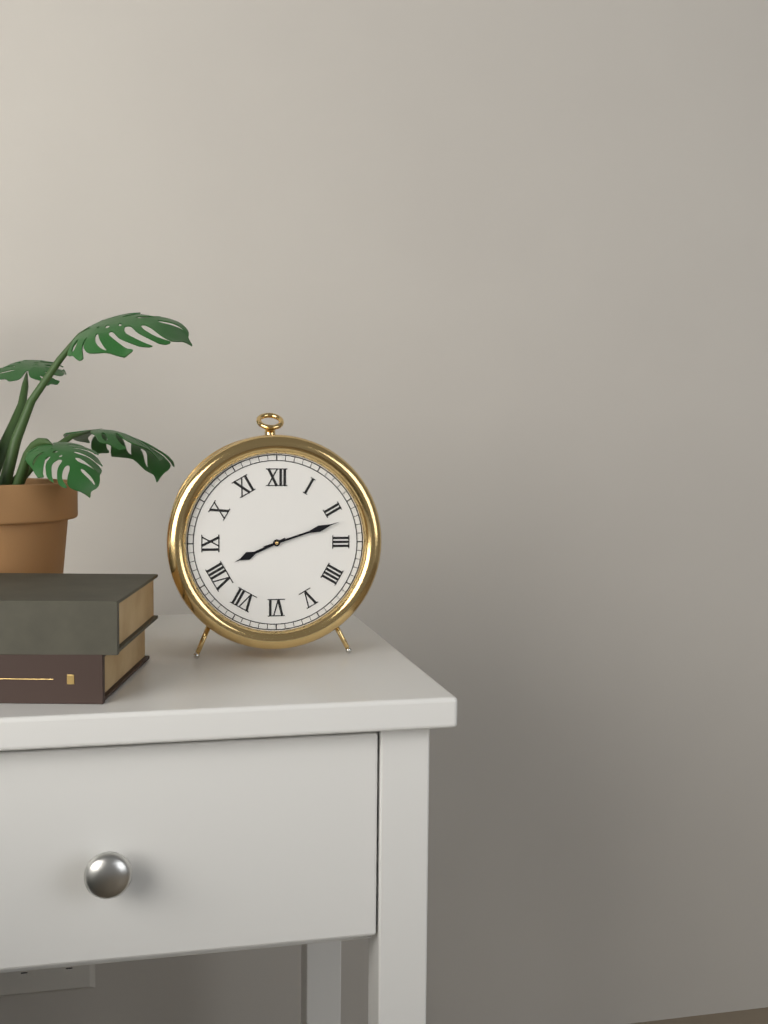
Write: 8,12
